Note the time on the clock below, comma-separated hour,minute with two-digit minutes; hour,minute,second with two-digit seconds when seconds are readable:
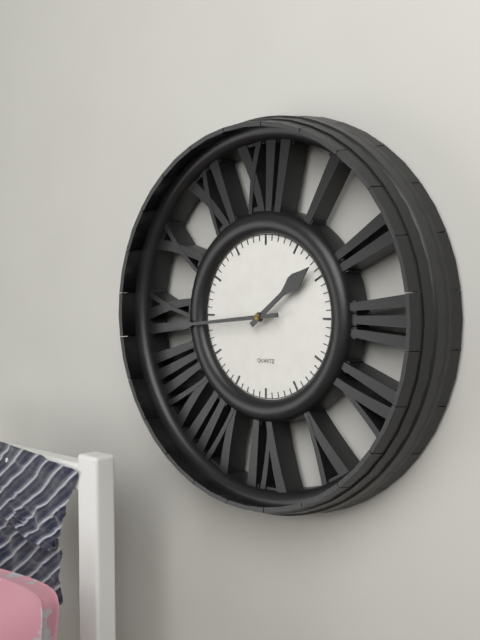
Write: 1,44
